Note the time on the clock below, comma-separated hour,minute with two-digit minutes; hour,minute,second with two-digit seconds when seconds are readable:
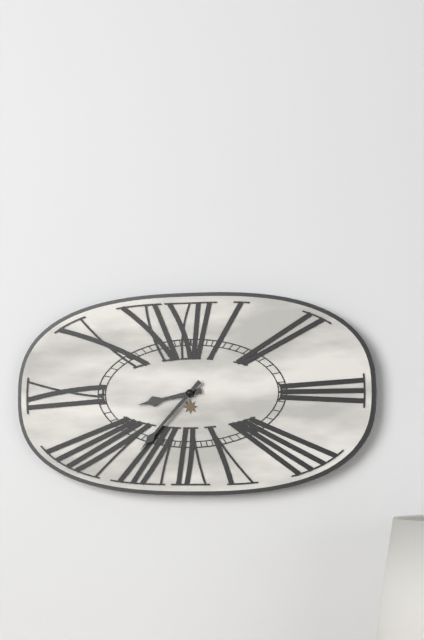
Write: 8,37
